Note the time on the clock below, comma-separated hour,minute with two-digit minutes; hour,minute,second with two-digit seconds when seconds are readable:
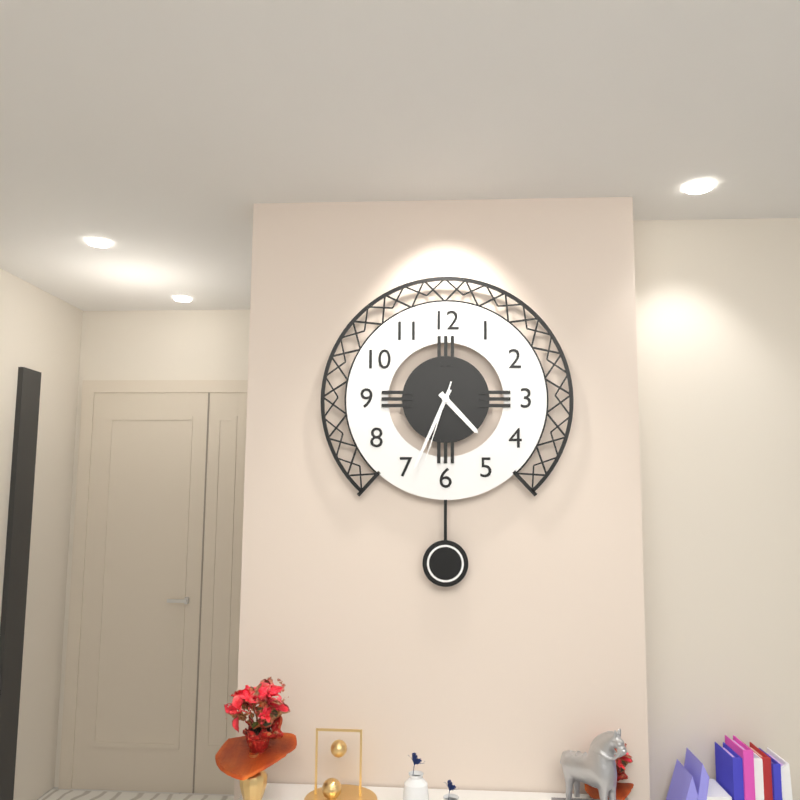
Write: 4,34,33
